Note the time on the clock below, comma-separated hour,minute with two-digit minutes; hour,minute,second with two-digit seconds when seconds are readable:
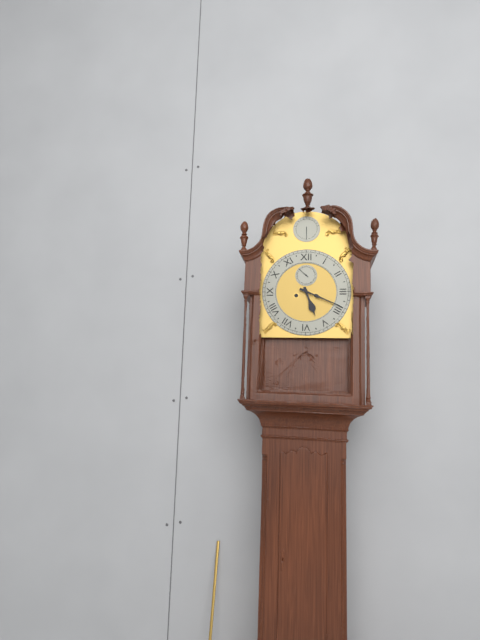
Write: 5,19
